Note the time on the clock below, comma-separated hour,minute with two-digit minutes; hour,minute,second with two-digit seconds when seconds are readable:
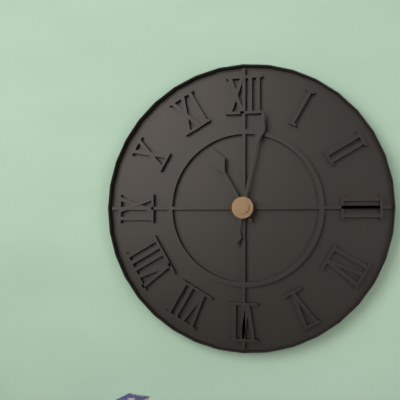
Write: 11,02
